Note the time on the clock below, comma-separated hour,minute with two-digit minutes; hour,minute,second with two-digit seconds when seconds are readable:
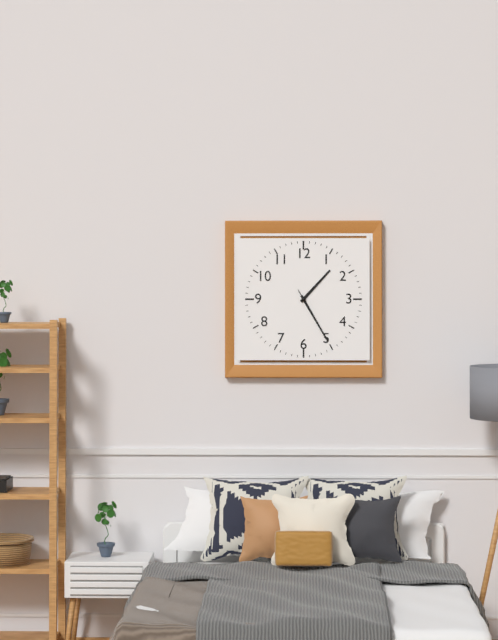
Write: 1,25,25
